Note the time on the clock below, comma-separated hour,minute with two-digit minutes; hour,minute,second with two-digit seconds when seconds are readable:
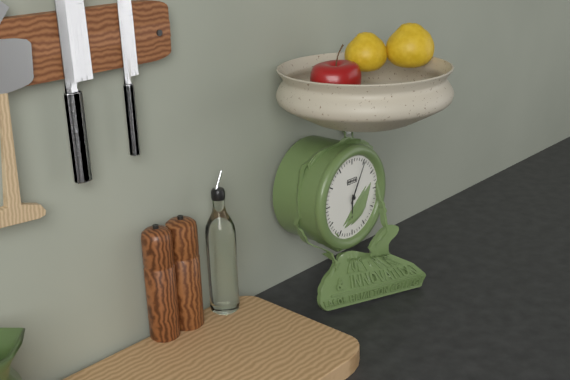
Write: 6,05
